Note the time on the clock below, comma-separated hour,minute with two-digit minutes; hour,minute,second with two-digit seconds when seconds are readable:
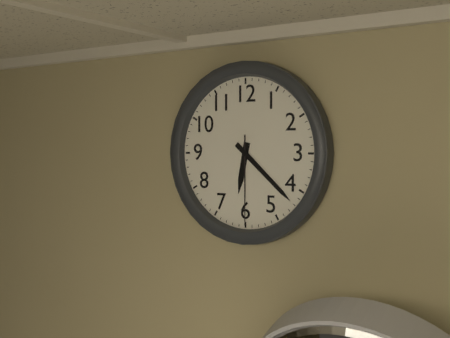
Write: 6,22,30
